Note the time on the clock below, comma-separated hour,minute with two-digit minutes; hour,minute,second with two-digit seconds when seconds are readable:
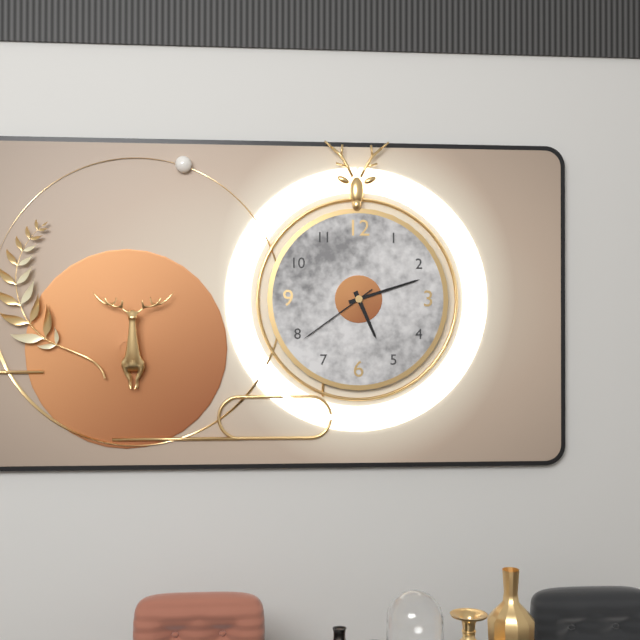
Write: 5,12,39
